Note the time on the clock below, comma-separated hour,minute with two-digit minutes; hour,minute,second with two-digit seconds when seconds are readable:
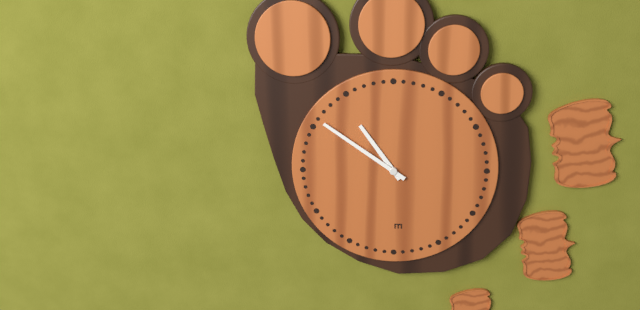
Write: 10,51
